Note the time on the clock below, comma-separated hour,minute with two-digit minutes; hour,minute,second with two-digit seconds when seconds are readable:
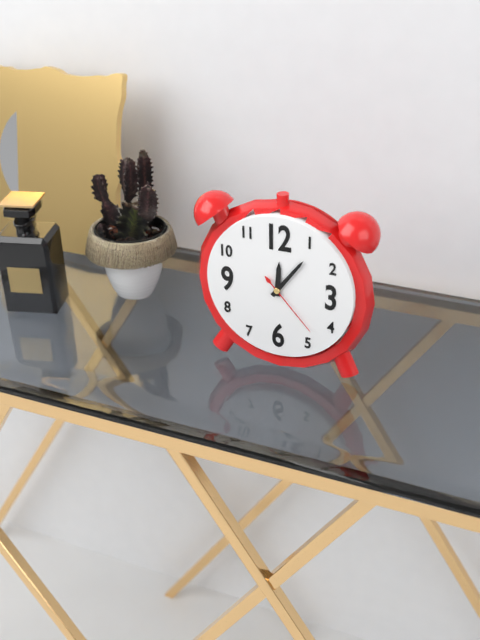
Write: 12,06,23
